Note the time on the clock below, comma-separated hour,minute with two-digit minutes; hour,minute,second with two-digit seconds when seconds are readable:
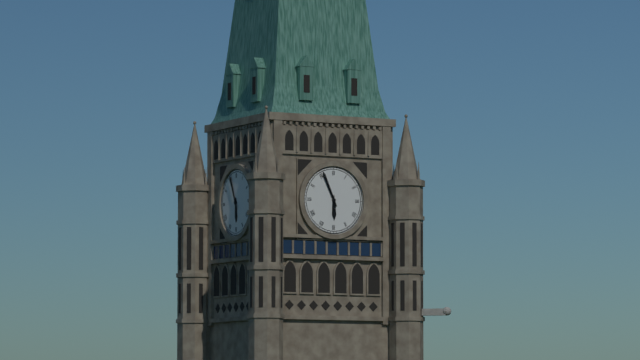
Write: 5,56
